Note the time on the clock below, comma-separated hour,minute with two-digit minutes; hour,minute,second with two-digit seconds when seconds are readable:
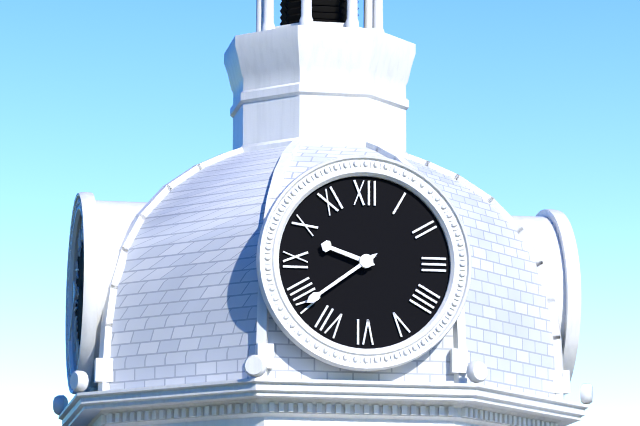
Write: 9,39
